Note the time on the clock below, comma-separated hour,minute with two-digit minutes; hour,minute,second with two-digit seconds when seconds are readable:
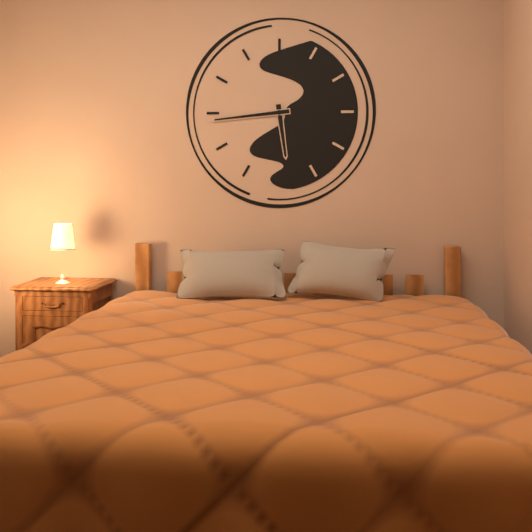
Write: 5,44
